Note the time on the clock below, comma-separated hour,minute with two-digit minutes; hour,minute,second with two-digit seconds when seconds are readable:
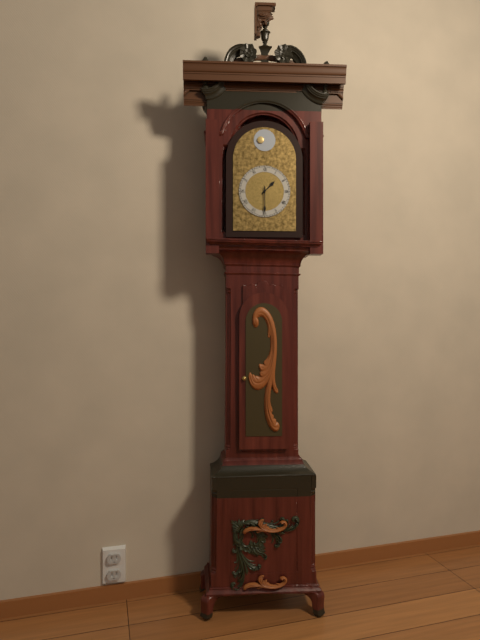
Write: 1,30
